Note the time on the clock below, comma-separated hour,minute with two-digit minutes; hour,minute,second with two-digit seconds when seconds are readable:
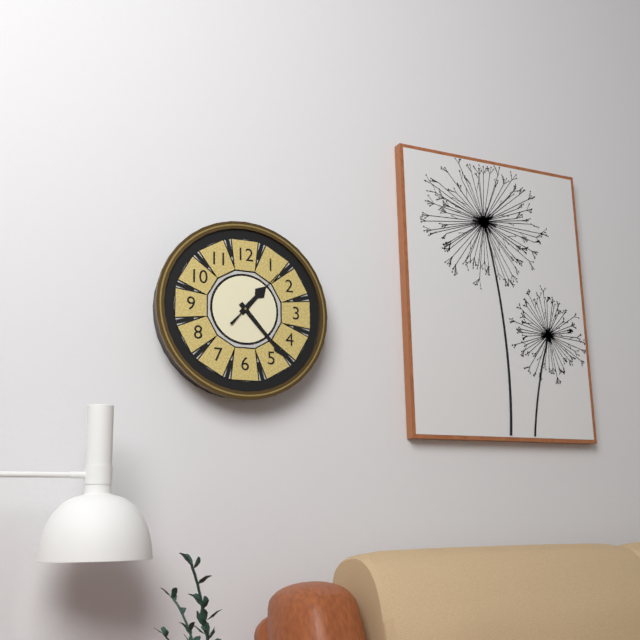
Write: 1,23,07
